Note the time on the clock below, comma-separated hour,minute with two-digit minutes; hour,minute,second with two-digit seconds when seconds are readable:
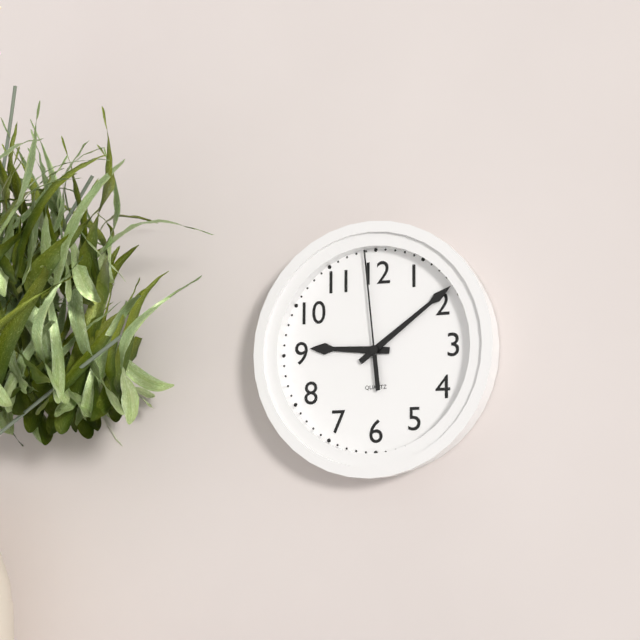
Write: 9,09,59
